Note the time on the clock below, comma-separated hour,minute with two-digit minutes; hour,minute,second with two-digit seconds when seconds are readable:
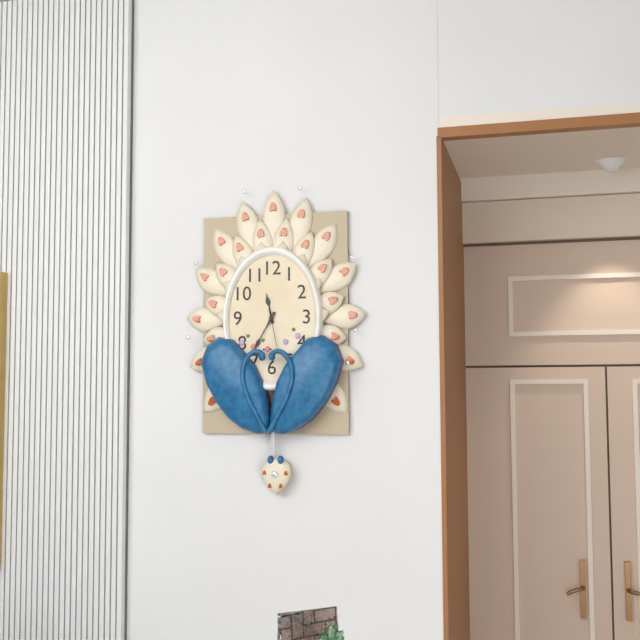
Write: 11,35
